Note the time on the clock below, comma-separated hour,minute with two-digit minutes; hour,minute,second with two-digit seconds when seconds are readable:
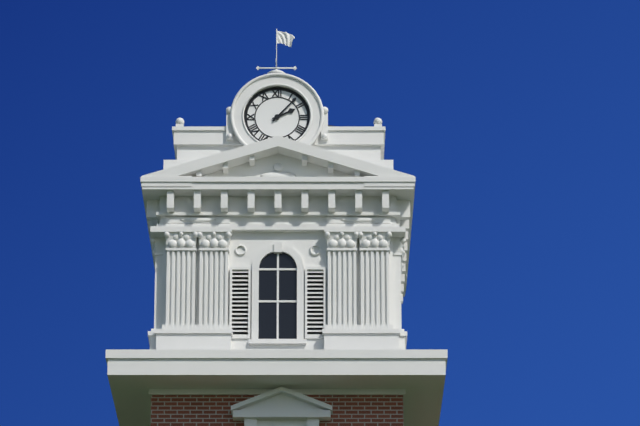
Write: 2,07
